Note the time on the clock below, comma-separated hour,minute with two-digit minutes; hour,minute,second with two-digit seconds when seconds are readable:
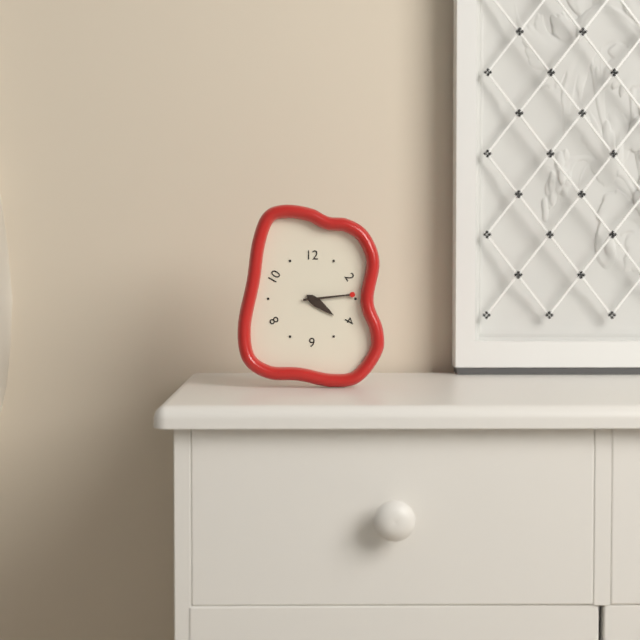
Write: 4,14
